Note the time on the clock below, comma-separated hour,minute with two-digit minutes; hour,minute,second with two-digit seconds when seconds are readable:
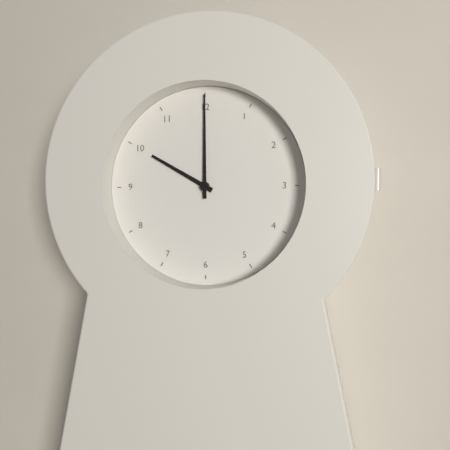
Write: 10,00
